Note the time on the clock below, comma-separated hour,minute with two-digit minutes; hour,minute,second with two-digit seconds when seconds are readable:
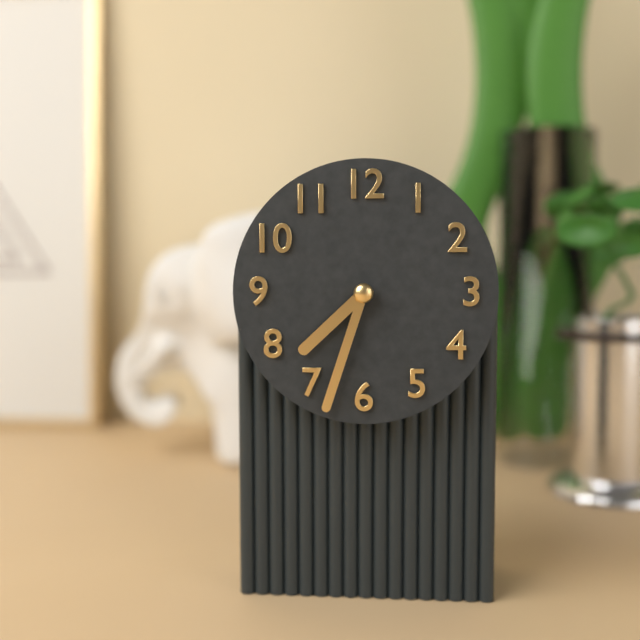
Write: 7,33
